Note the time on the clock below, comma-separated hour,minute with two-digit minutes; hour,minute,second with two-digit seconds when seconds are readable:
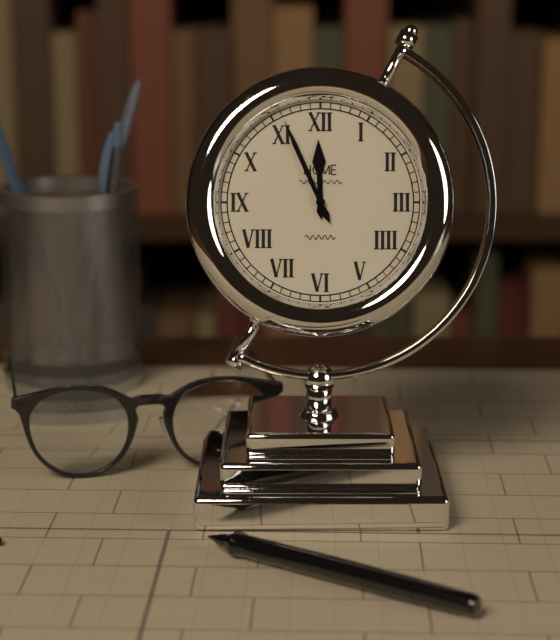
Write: 11,56
